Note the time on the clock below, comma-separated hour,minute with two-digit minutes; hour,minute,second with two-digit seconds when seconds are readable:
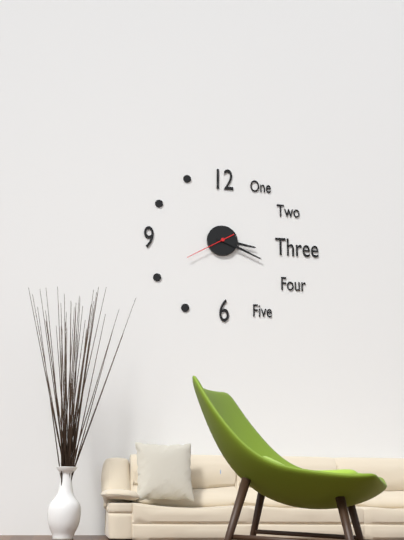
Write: 3,19
